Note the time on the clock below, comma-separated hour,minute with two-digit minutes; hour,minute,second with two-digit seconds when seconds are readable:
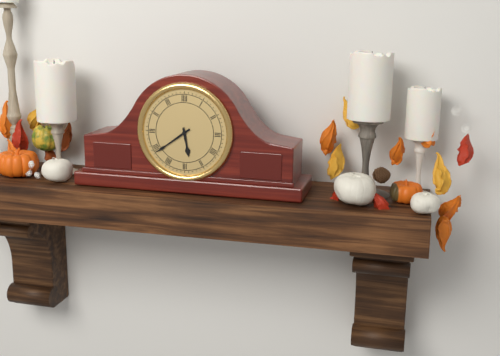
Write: 5,39
